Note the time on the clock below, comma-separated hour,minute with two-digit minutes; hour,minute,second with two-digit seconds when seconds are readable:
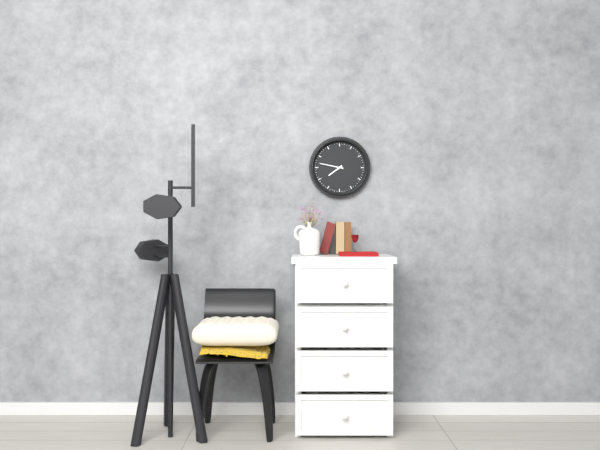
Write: 7,47
